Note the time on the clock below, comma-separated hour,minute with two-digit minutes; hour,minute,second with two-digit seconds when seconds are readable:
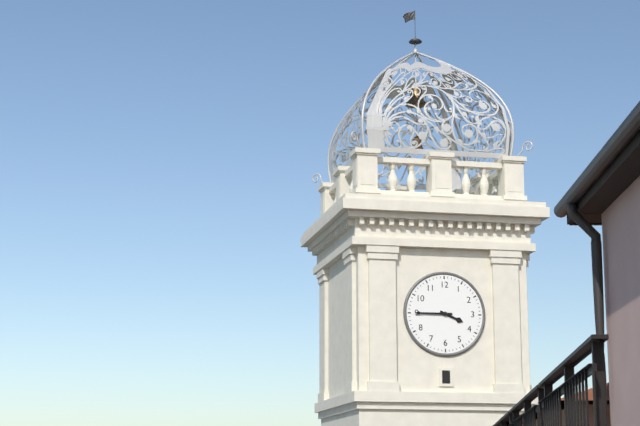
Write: 3,45
